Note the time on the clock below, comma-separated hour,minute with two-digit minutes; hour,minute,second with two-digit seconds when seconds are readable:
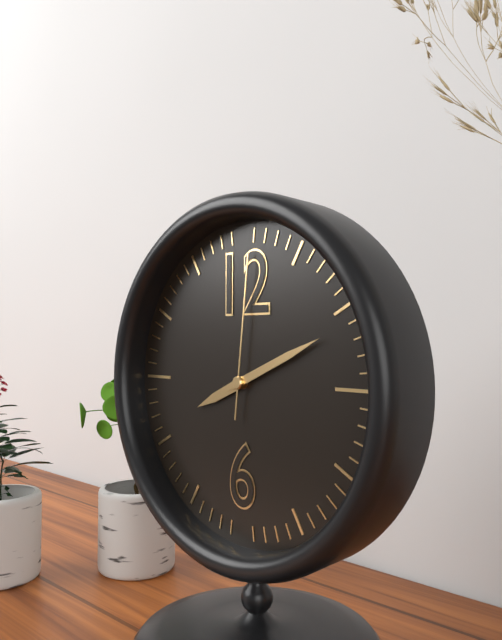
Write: 8,11,01
